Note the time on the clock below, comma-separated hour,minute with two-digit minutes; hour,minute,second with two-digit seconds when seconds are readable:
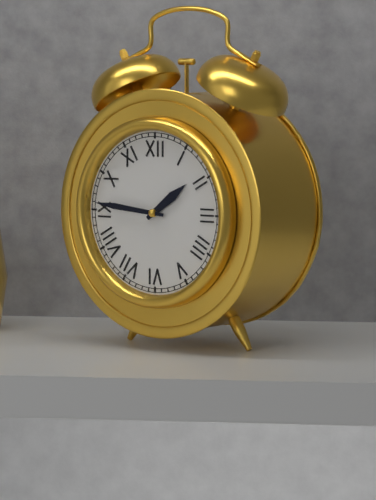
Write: 1,46
